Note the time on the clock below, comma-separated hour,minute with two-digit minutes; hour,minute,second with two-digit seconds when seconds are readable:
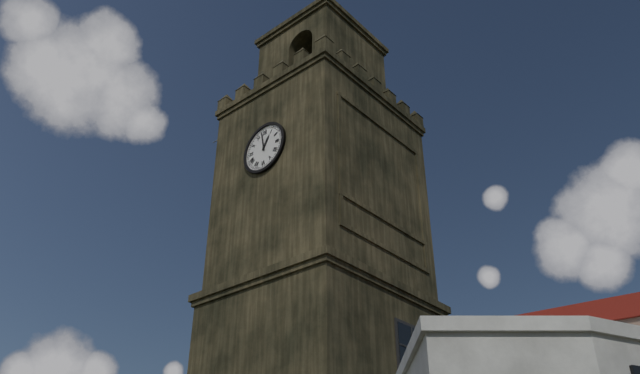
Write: 12,58
